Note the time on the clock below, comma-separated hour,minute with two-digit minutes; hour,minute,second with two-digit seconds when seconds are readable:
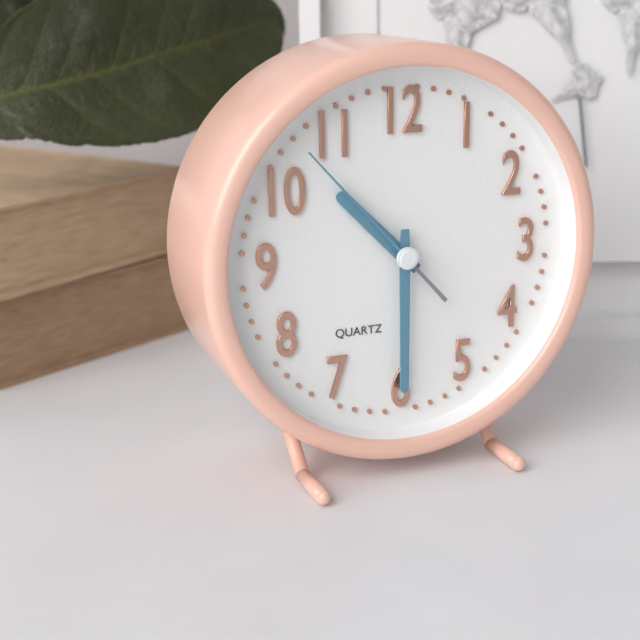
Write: 10,30,53
